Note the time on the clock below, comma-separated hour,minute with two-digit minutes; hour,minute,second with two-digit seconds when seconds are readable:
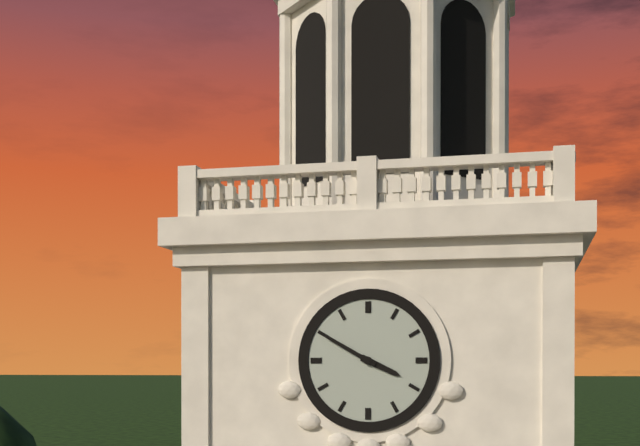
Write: 3,50
